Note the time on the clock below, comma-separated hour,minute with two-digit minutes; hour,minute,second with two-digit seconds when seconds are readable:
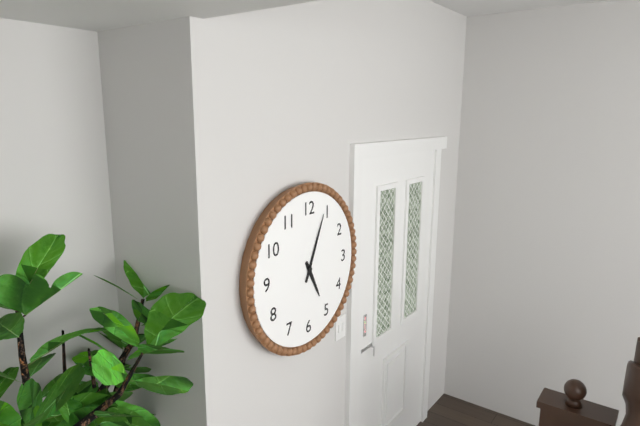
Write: 5,04
